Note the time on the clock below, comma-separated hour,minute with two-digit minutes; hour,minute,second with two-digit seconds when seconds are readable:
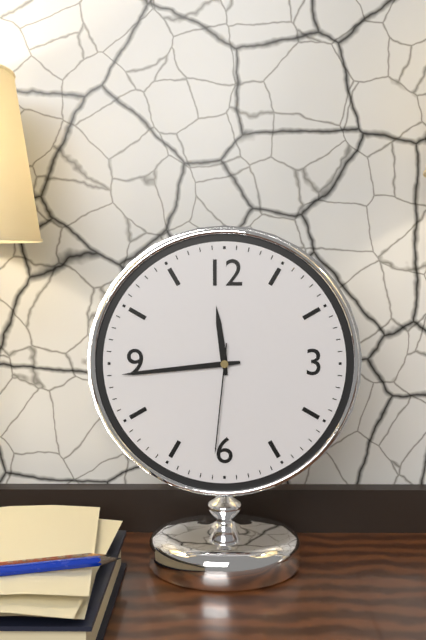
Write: 11,44,31
